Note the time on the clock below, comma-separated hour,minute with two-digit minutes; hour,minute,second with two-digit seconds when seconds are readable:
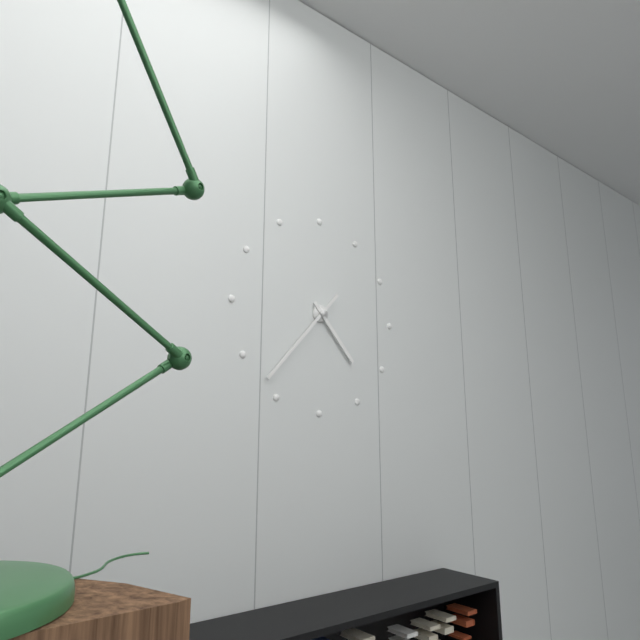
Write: 4,37
